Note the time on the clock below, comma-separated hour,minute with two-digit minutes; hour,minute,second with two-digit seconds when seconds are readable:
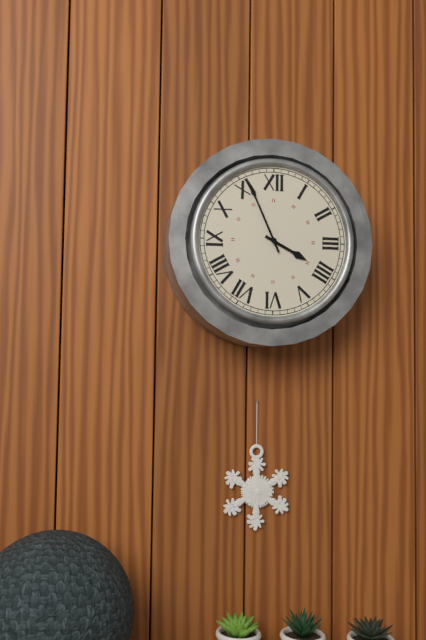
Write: 3,56
